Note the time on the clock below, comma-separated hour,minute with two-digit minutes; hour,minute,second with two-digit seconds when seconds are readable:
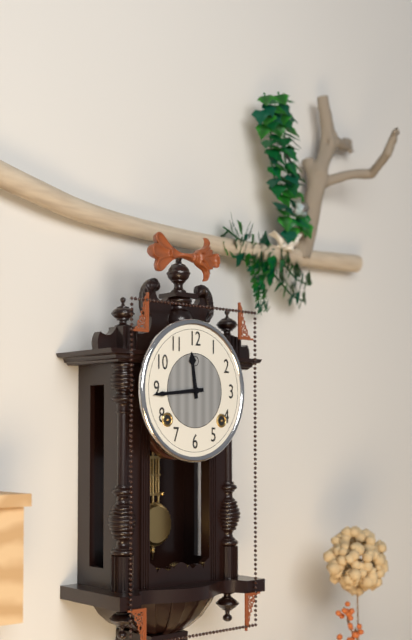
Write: 11,44
